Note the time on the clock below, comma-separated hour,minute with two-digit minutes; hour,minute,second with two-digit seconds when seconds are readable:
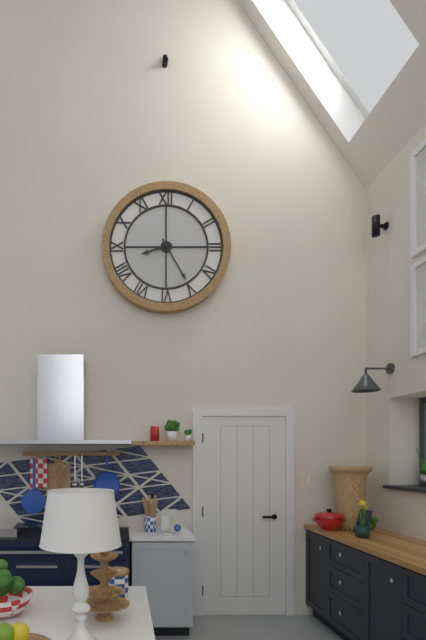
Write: 8,25
